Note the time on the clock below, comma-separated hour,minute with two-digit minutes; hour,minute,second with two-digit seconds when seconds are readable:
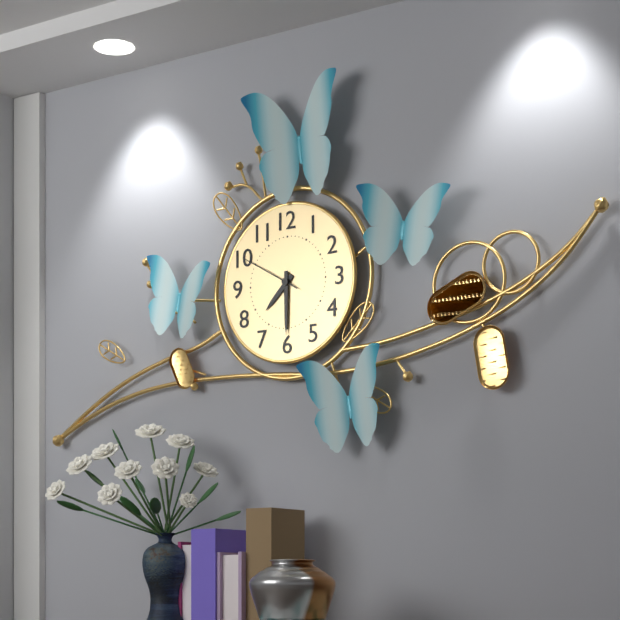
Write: 7,30,50
